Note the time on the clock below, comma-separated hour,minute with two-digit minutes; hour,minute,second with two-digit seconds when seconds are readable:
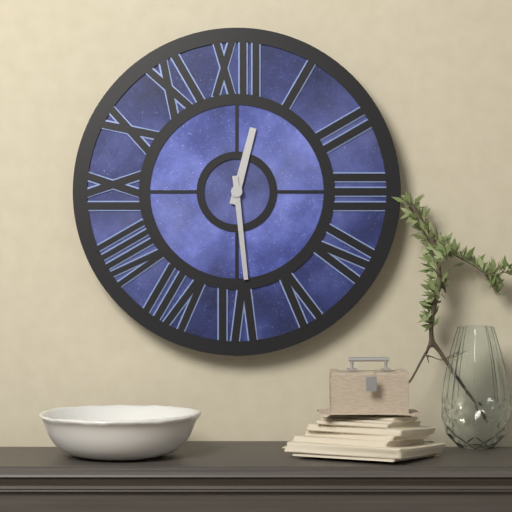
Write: 12,29
